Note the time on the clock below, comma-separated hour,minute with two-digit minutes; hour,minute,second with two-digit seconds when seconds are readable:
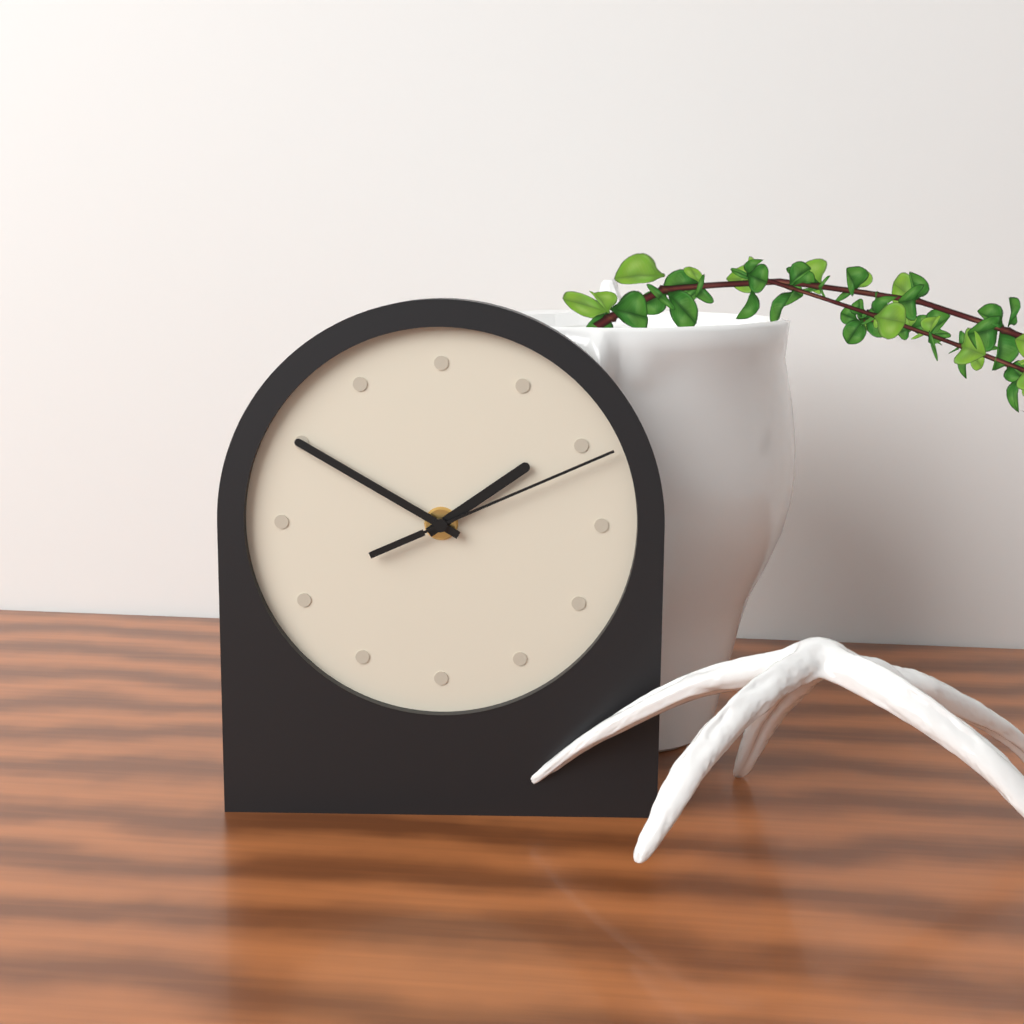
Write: 1,50,11
